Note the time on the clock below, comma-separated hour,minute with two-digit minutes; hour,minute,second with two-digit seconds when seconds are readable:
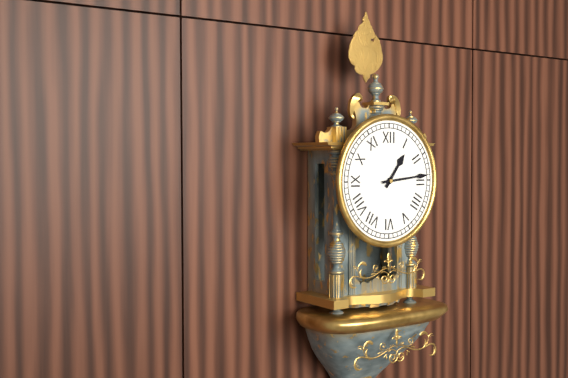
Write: 1,14
